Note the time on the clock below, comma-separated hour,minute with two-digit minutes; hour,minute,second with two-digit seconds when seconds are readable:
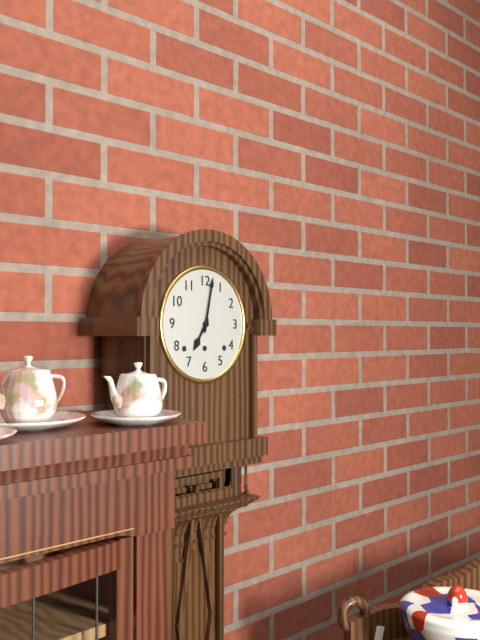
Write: 7,02
